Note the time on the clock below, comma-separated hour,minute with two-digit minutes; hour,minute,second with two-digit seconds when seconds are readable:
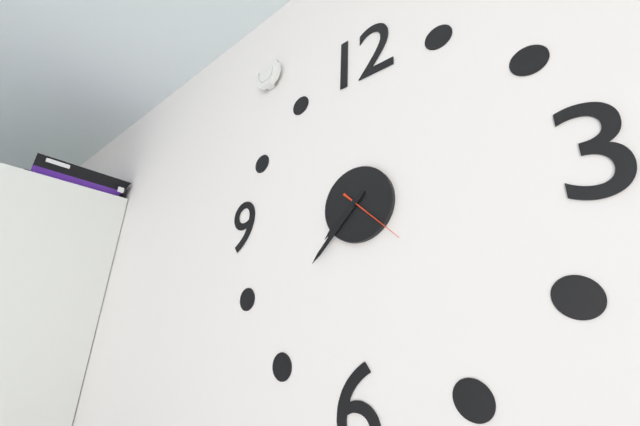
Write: 7,37,22
